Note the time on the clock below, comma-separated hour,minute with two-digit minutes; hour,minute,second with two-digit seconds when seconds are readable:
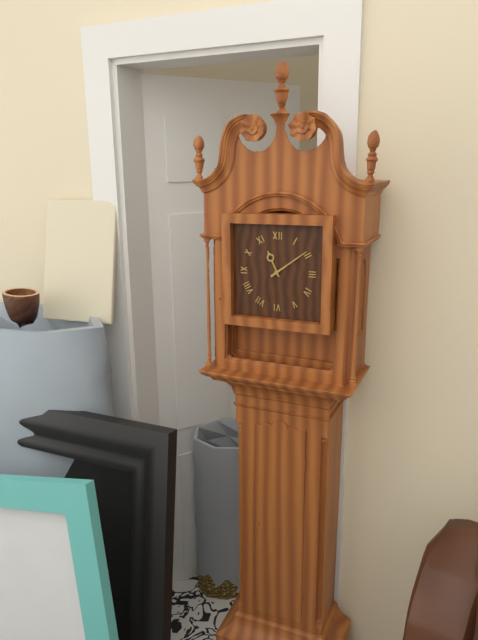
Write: 11,09
